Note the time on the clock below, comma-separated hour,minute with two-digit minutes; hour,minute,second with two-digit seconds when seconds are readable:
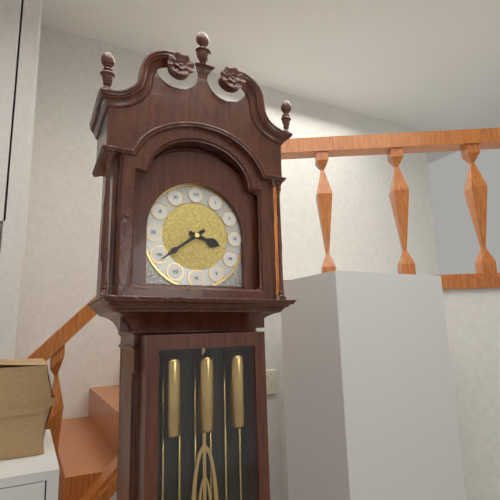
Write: 3,39
